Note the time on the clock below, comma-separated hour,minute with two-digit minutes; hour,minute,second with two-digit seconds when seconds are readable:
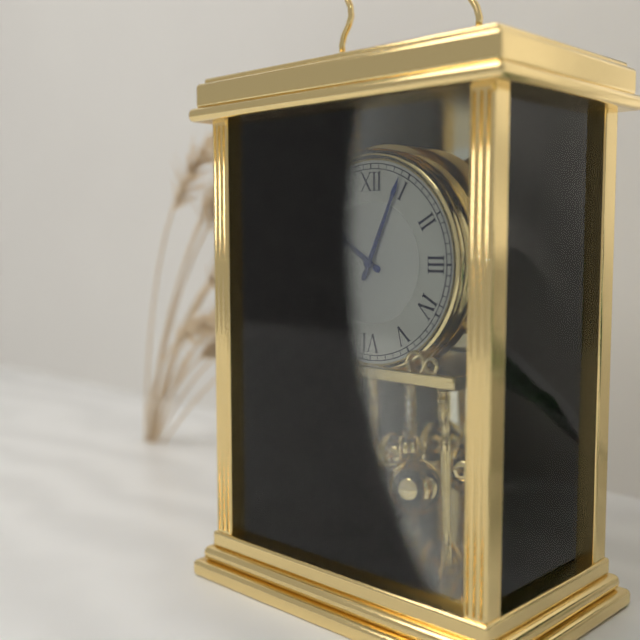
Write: 10,04
